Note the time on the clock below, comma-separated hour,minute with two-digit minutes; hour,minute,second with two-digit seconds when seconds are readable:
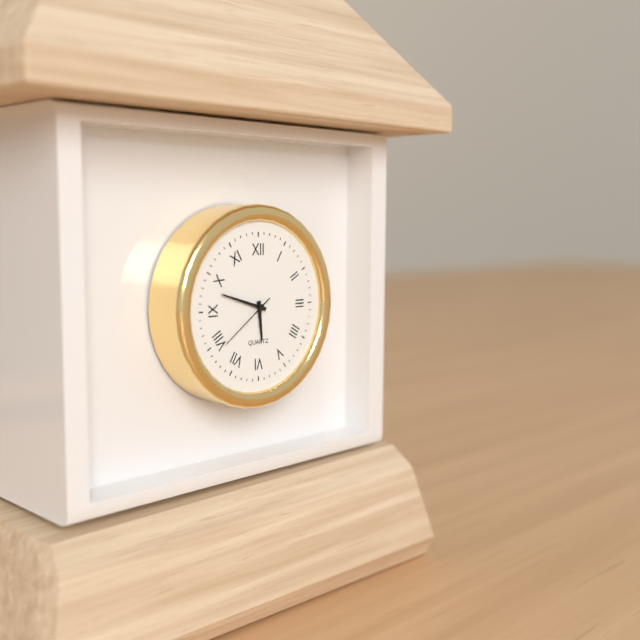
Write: 5,48,39
